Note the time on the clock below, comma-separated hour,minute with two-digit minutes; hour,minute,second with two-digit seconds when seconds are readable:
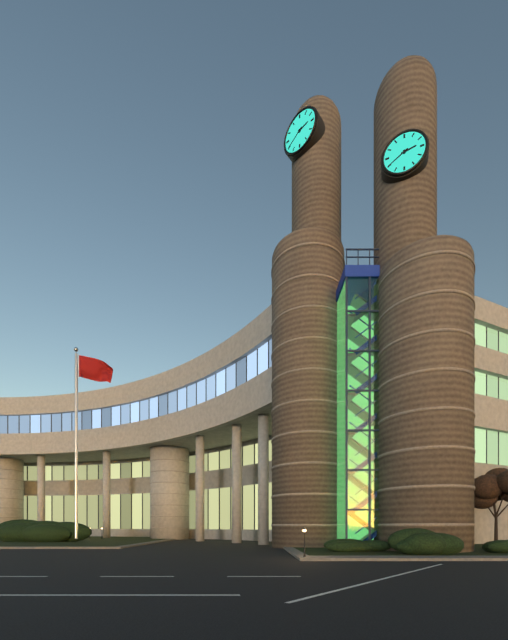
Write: 2,40
